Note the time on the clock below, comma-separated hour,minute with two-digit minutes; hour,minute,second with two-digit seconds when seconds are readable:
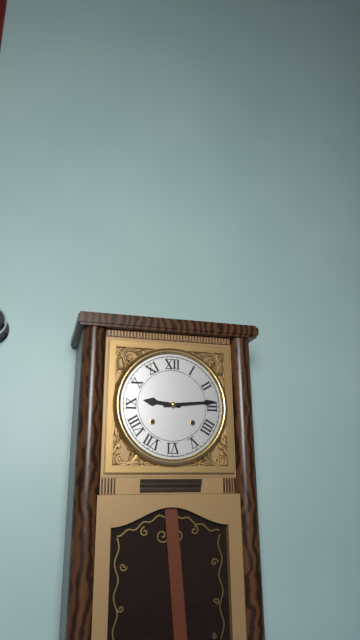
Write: 9,14
